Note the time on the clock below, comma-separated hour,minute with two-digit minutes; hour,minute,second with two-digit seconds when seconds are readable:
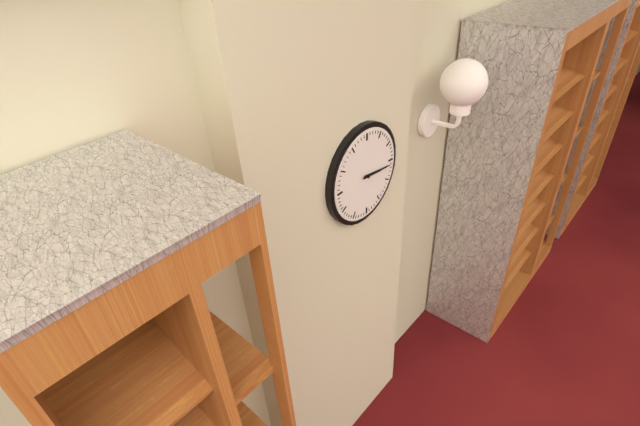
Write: 3,16
